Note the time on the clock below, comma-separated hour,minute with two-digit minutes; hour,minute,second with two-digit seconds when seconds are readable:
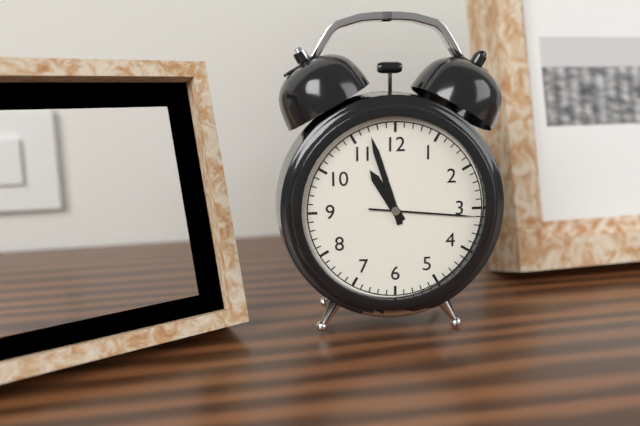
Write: 10,57,16
